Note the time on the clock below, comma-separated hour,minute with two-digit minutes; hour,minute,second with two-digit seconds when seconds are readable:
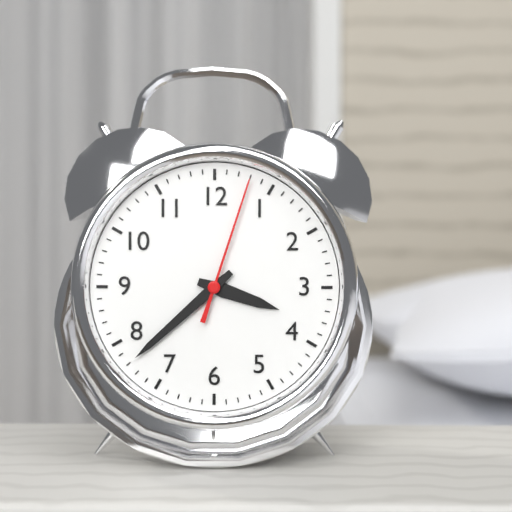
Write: 3,38,03
